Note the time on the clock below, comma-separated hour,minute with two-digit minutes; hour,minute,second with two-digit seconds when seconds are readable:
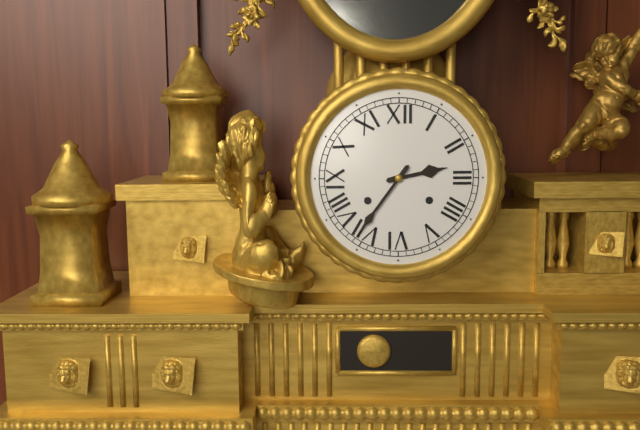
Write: 2,36
